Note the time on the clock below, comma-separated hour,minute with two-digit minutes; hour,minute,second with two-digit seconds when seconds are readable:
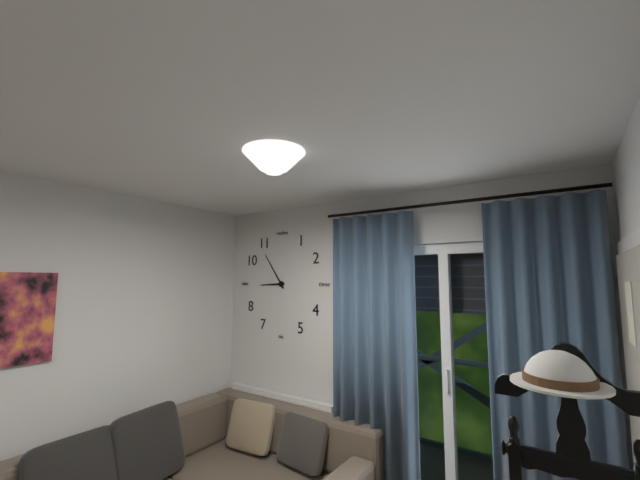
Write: 8,54
